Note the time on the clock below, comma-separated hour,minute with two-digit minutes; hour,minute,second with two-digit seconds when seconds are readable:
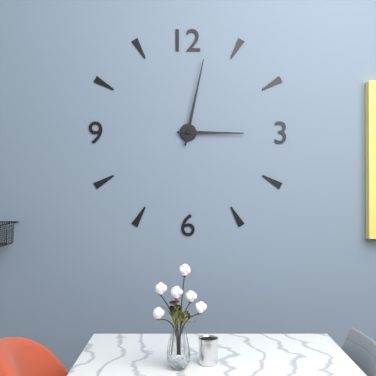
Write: 3,02
